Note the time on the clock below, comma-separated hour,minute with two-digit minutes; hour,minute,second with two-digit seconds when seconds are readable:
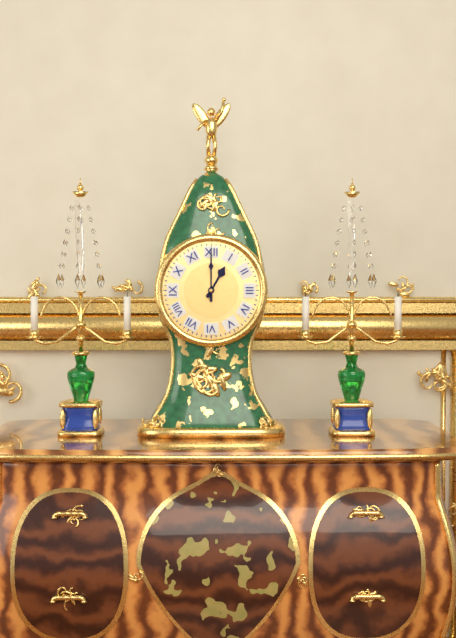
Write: 1,00
